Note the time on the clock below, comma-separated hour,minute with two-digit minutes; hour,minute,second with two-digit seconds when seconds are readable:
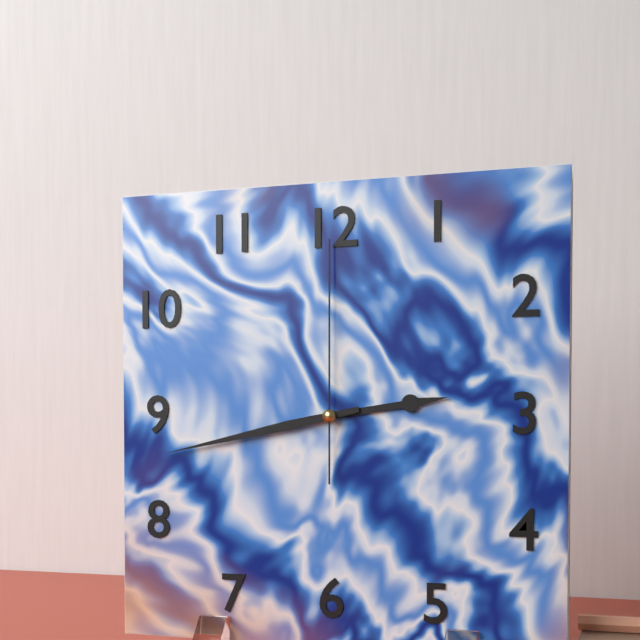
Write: 2,43,00
